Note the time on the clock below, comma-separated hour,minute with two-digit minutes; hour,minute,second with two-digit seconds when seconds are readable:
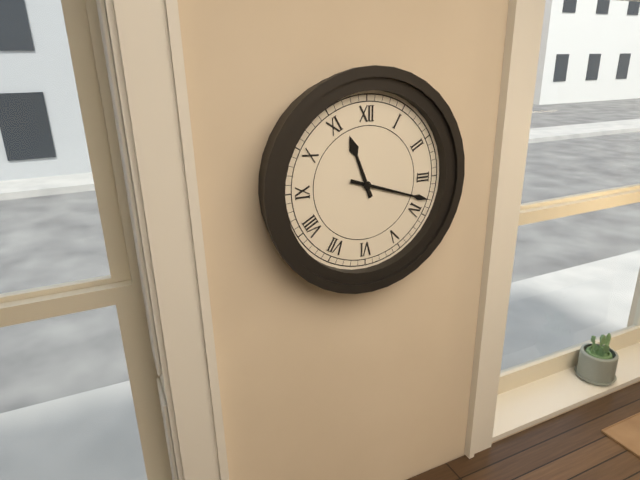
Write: 11,18
